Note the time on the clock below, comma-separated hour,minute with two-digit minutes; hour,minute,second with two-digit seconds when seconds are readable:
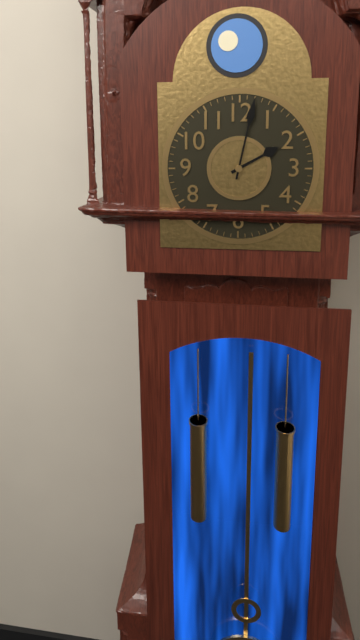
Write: 2,02
